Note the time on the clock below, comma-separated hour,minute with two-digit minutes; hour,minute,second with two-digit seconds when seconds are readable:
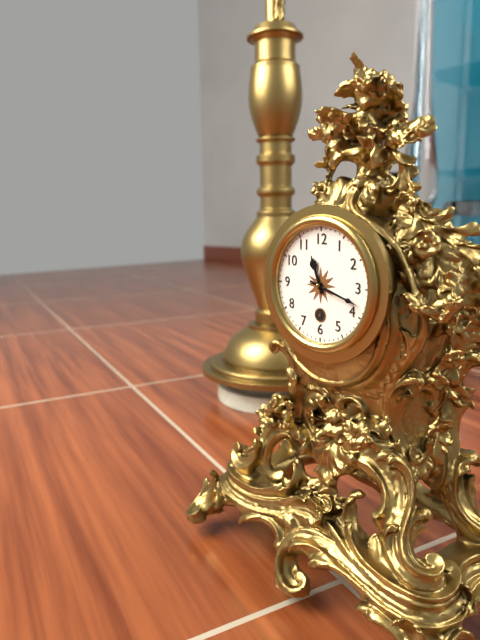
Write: 11,18
